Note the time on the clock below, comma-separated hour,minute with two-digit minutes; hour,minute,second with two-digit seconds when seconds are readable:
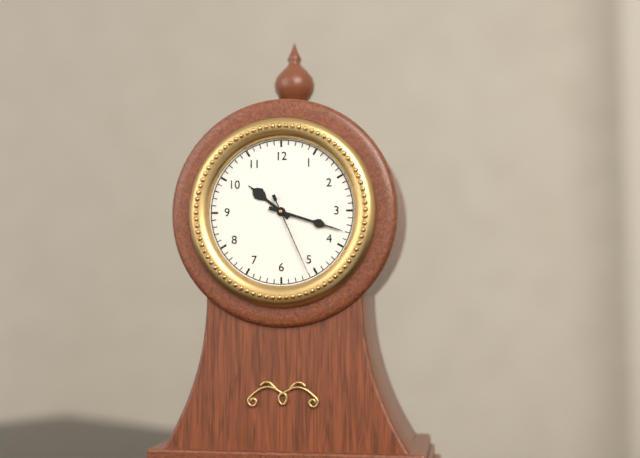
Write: 10,18,26
